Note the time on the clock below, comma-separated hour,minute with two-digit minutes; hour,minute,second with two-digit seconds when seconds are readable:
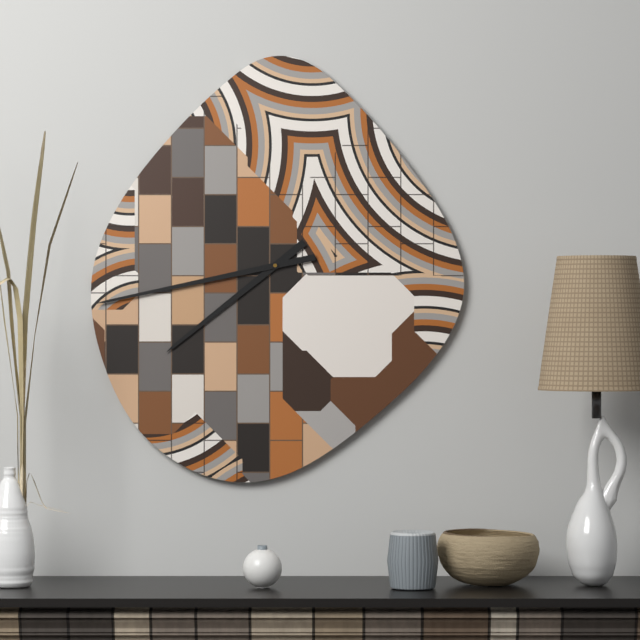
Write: 7,43
